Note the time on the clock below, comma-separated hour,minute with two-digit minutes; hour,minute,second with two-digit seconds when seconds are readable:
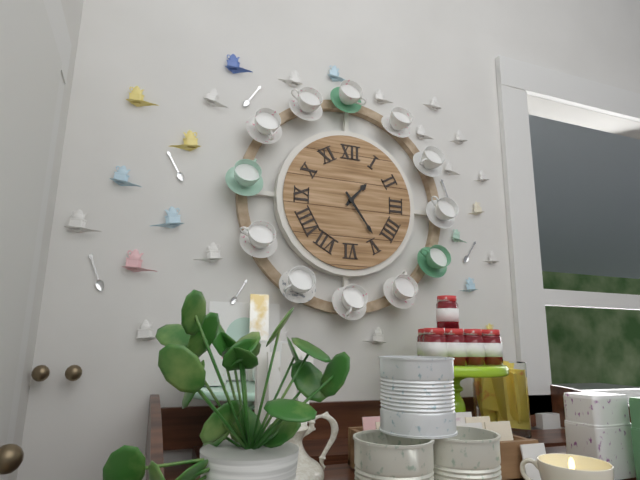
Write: 1,24
